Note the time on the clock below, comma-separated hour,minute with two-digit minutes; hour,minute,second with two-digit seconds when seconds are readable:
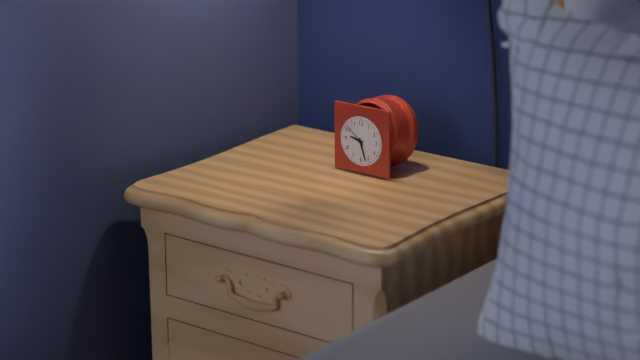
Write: 9,27
